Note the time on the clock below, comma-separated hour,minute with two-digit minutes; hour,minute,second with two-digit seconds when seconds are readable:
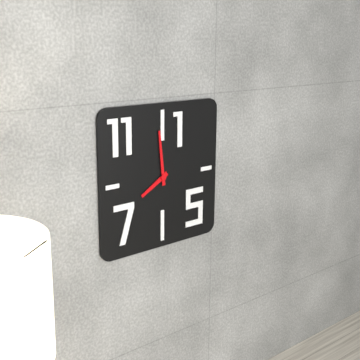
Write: 7,59
